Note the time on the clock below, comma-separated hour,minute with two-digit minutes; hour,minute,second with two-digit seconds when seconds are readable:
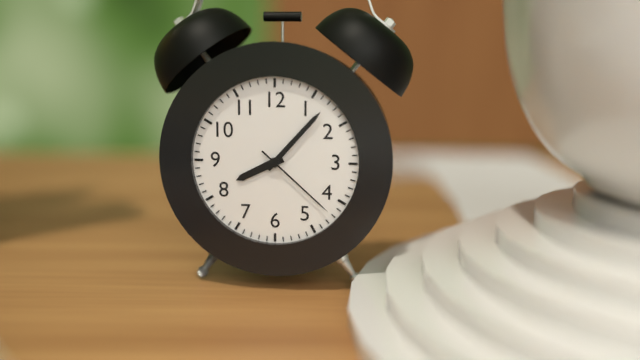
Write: 8,07,22
